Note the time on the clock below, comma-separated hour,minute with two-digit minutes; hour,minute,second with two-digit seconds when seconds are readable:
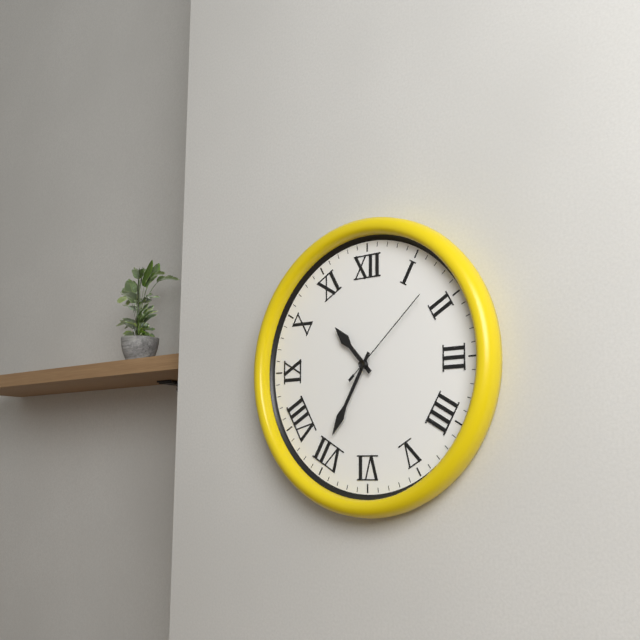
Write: 10,35,08
